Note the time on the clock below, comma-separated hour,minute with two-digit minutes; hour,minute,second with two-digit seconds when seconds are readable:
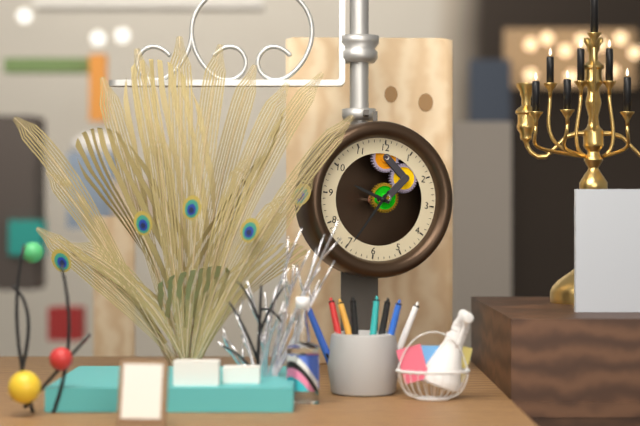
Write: 9,35
